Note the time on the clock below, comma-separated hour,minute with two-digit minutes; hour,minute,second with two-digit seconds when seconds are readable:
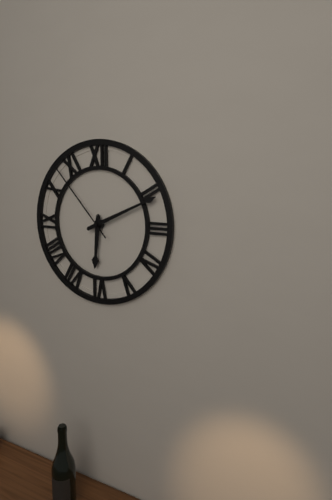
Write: 6,11,53
